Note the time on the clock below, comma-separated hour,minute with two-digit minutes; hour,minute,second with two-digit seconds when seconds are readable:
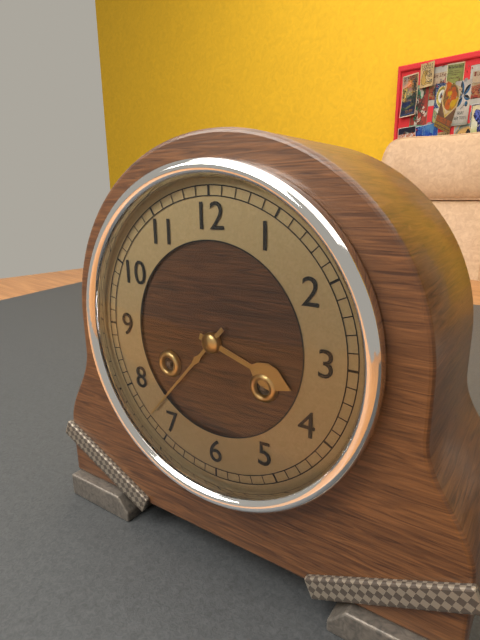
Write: 3,37
